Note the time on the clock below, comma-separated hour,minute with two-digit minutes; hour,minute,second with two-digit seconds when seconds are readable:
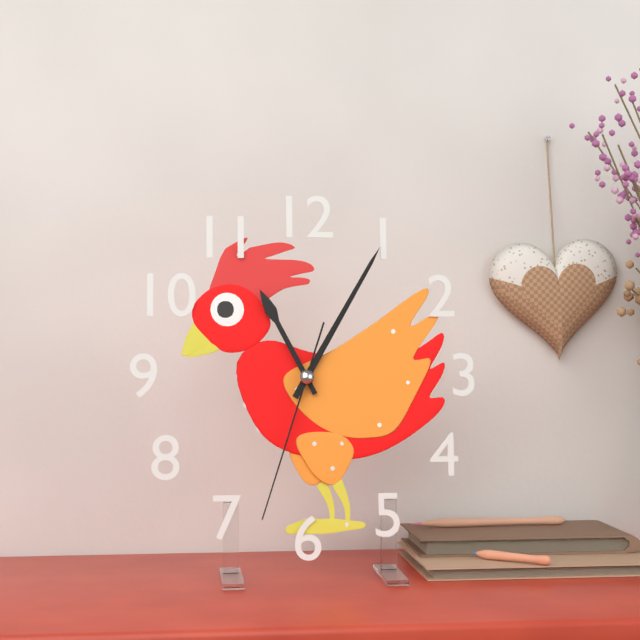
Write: 11,05,33
